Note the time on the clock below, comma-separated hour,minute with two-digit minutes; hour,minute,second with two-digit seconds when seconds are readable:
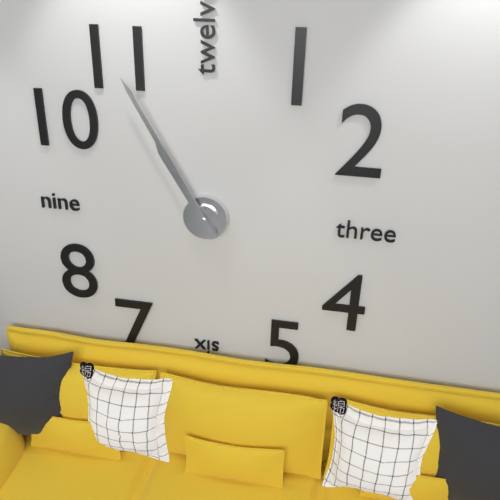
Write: 10,55
